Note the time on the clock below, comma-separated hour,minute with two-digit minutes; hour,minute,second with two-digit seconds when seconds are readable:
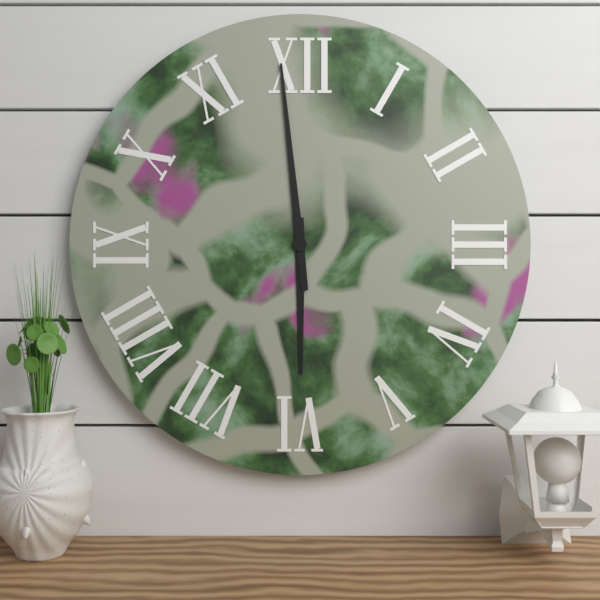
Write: 5,59
